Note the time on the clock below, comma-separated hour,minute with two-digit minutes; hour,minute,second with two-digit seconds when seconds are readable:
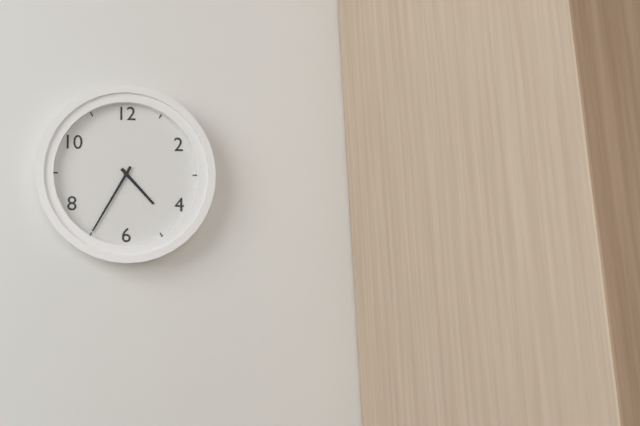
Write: 4,35
